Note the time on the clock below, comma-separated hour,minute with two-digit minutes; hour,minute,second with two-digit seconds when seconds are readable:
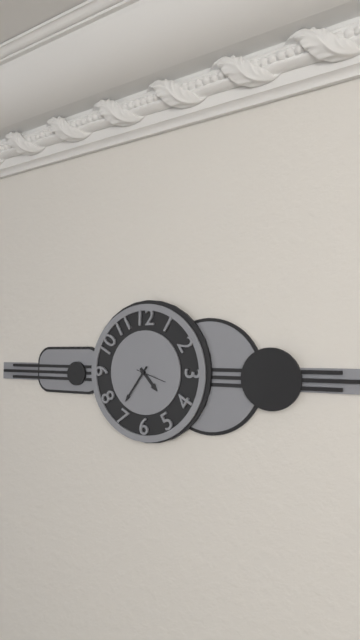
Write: 4,36
